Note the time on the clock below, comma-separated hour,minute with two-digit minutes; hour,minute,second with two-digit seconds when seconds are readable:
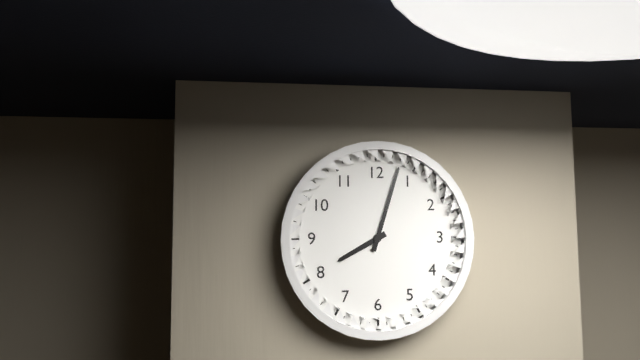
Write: 8,03
